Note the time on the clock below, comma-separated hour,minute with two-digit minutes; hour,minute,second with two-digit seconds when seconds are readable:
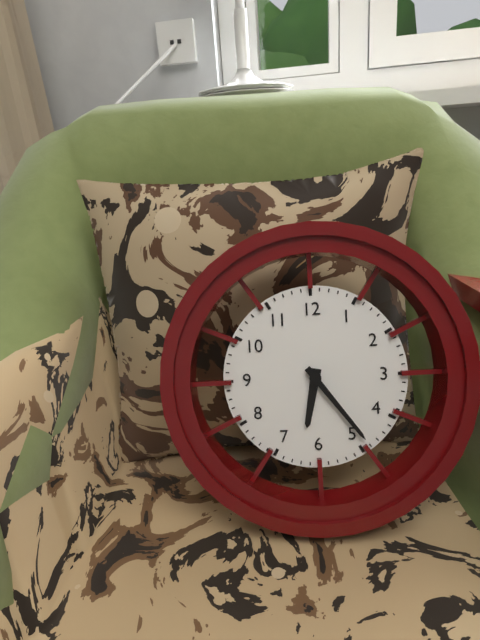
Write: 6,24
